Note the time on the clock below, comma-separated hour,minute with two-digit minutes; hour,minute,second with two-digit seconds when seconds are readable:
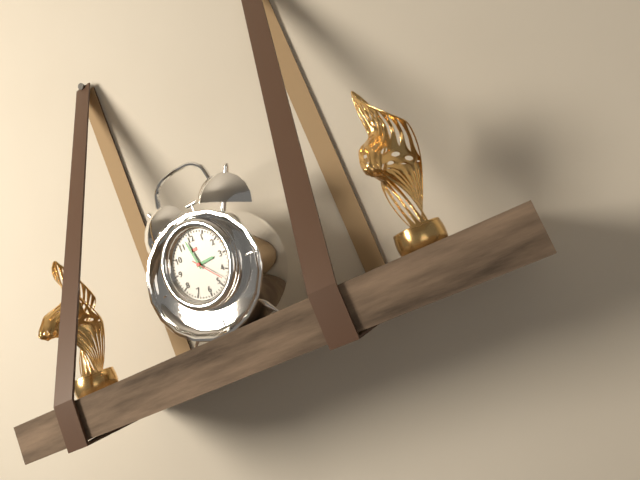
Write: 2,58
